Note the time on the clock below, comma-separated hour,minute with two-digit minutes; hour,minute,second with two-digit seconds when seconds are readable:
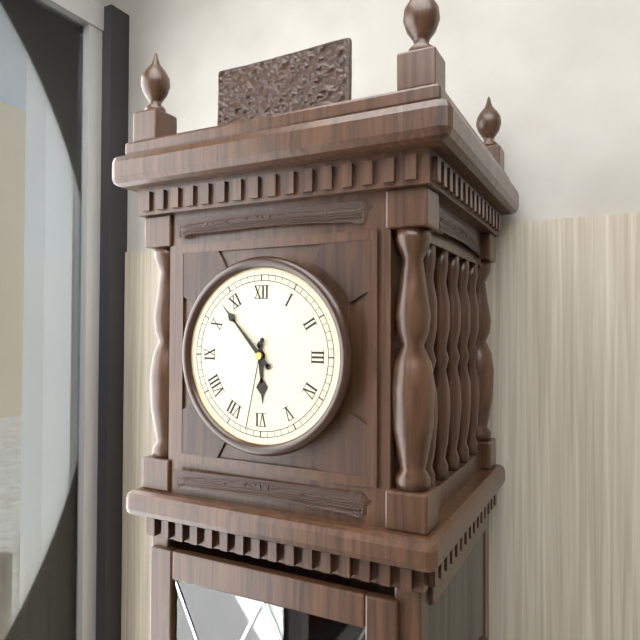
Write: 5,53,32
